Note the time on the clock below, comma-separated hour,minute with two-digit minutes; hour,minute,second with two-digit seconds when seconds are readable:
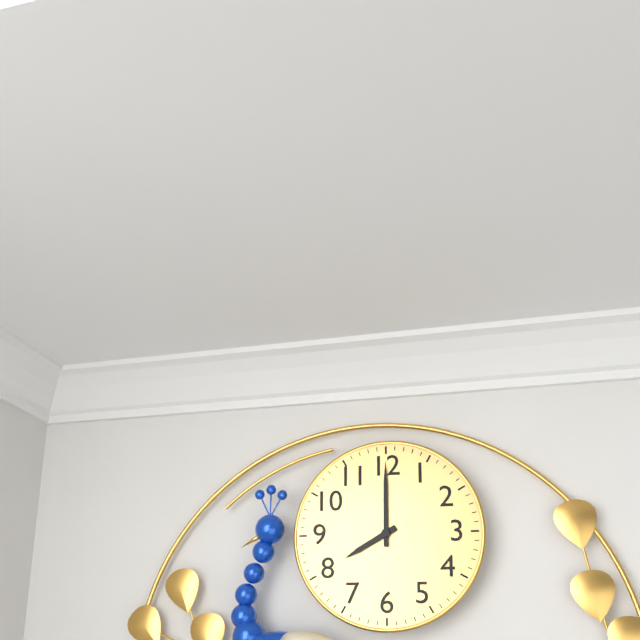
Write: 8,00
